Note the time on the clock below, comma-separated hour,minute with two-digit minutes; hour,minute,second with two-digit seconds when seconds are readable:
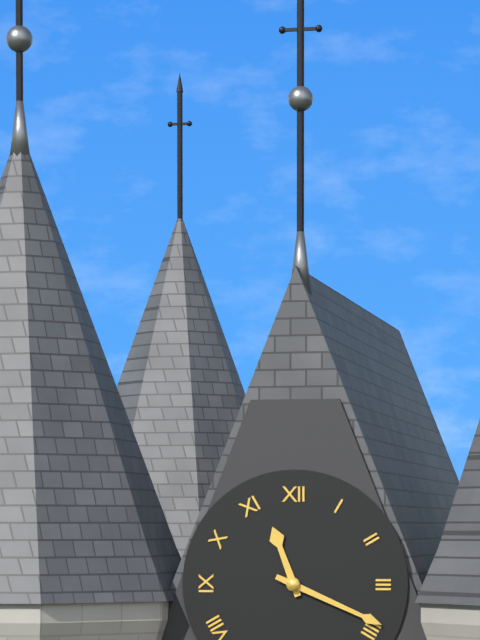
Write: 11,19
